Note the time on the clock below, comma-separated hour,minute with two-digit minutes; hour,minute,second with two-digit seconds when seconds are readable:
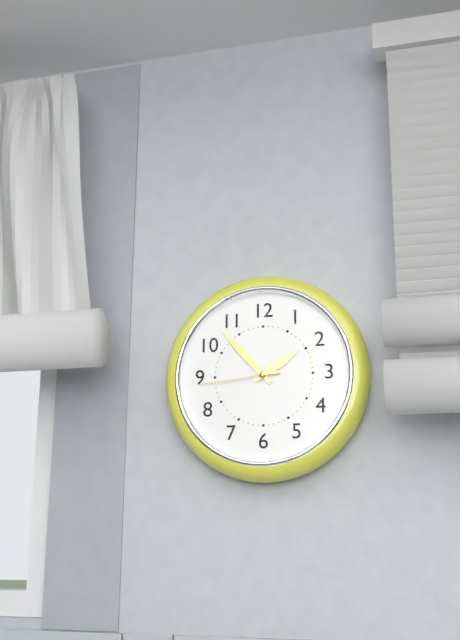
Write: 1,53,44
